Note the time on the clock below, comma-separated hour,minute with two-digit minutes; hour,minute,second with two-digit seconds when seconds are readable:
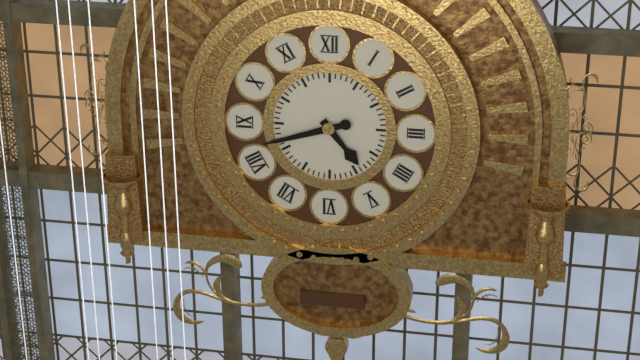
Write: 4,42
